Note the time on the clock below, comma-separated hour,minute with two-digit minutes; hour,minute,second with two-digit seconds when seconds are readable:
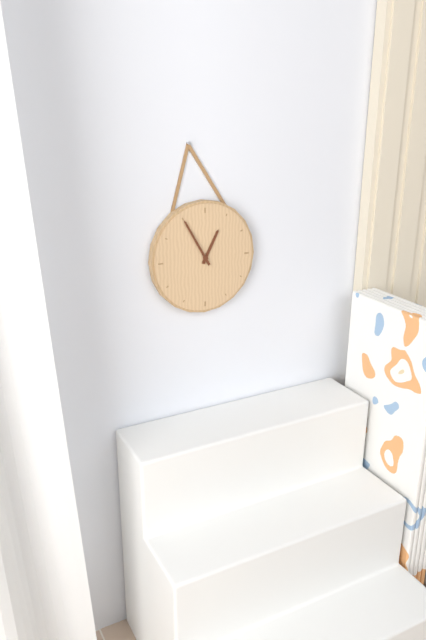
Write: 12,55
